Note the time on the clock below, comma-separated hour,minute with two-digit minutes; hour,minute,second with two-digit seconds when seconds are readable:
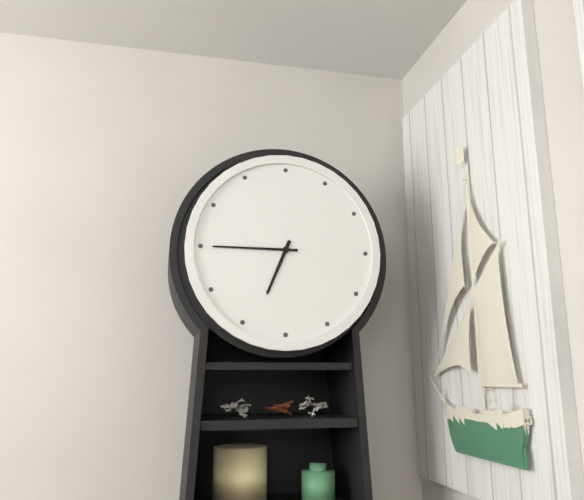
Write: 6,45
